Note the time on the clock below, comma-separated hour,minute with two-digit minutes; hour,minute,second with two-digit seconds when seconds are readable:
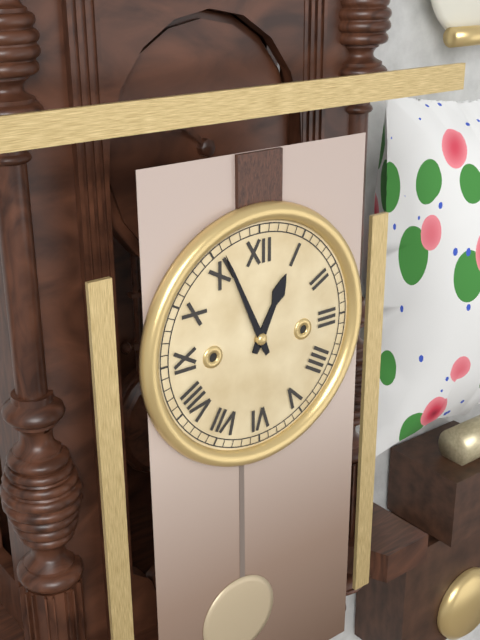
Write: 12,56
